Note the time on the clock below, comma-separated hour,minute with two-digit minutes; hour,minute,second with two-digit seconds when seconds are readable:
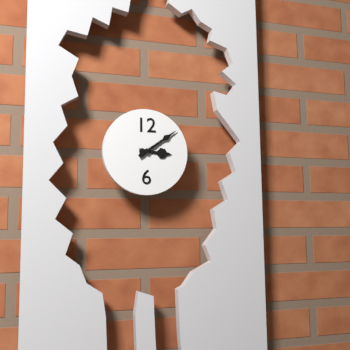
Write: 3,09
